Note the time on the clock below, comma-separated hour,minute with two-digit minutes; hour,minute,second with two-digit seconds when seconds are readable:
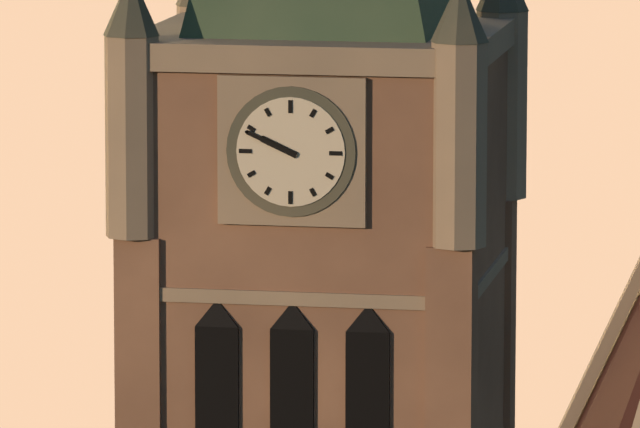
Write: 9,49
